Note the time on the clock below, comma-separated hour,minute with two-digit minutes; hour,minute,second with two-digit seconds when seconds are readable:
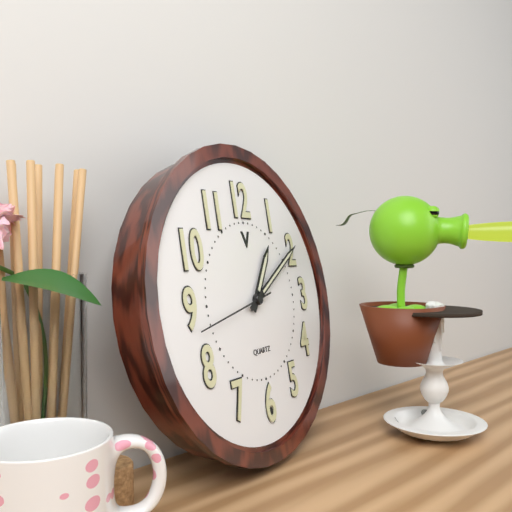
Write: 1,10,43
